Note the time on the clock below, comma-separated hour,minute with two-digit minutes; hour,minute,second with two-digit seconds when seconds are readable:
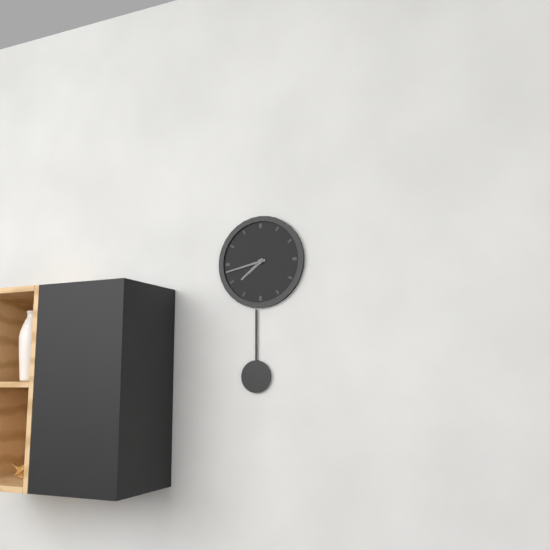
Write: 7,43
